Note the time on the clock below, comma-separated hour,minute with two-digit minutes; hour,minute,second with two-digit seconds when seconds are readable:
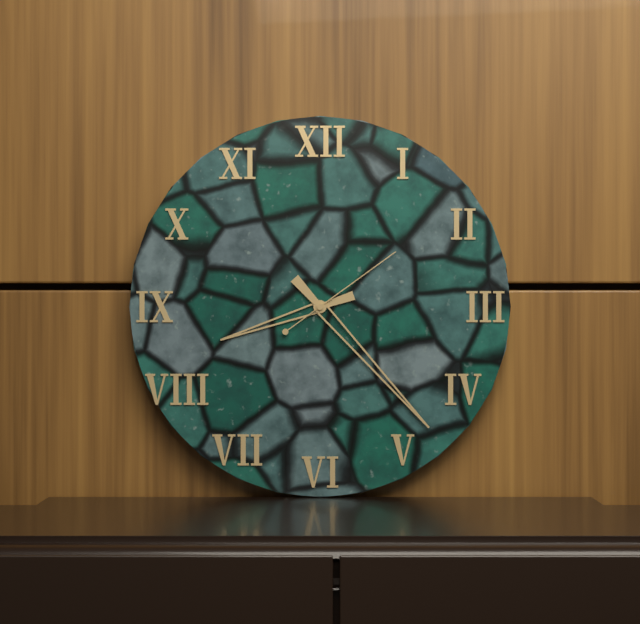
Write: 8,23,09
